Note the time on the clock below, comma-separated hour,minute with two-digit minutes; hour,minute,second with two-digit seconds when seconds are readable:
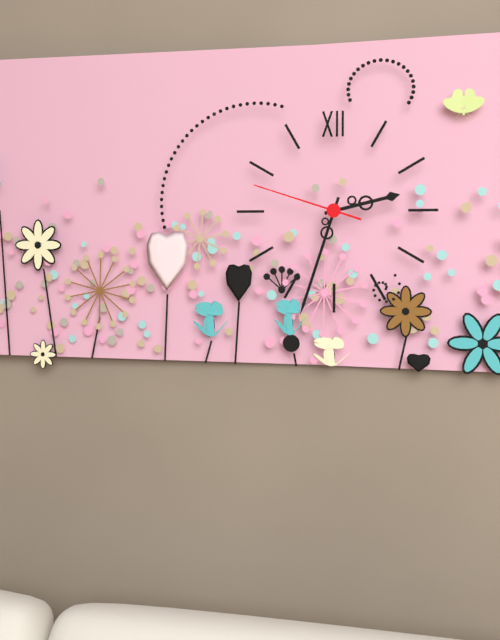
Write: 2,33,48
